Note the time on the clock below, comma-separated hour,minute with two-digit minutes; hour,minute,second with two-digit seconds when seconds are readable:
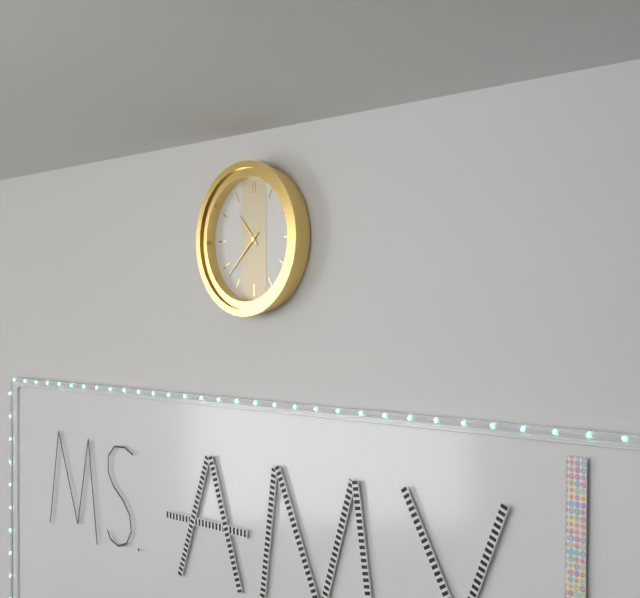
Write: 10,38
